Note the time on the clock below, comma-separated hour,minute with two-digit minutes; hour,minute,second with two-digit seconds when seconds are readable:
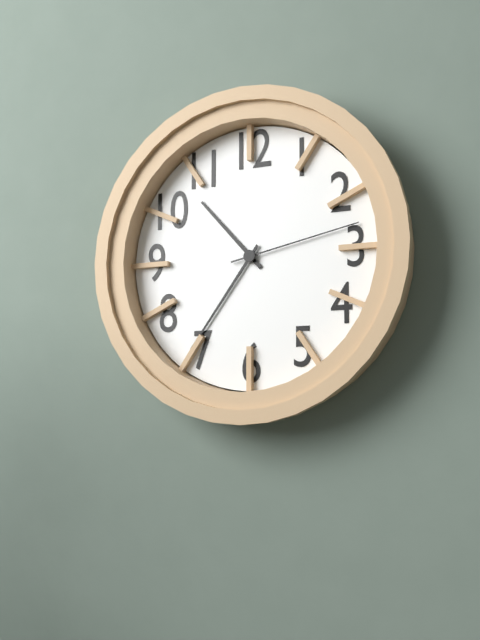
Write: 10,36,13
